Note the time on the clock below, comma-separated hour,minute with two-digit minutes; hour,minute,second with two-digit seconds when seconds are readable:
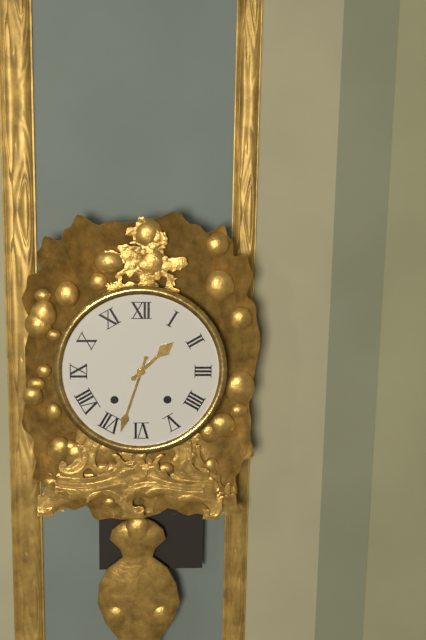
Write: 1,33
